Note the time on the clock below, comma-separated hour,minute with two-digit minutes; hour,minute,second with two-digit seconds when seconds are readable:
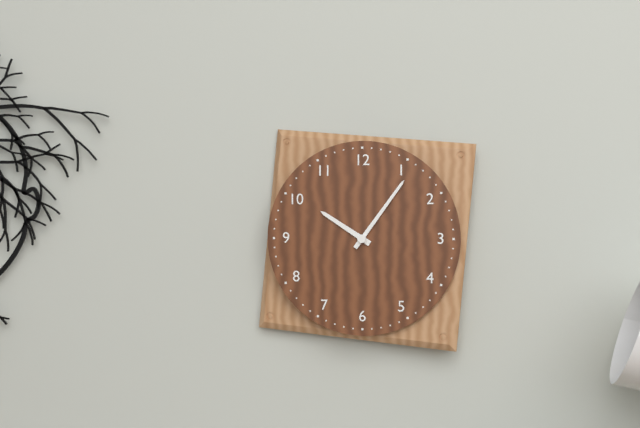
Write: 10,06
